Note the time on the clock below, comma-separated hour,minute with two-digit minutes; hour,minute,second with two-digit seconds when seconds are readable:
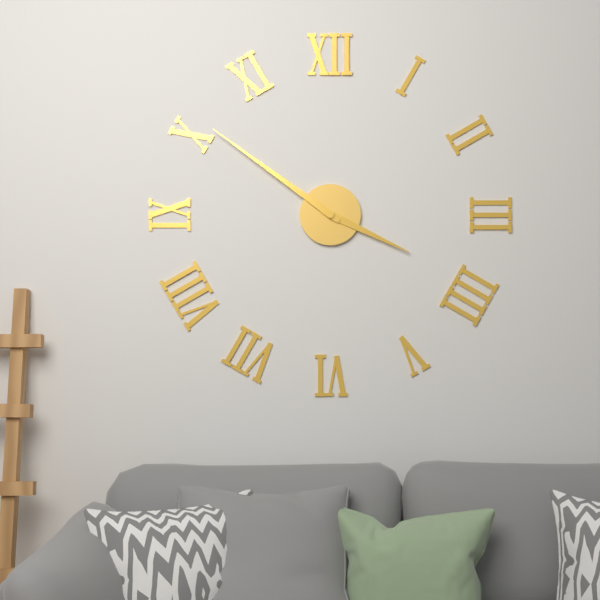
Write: 3,51
